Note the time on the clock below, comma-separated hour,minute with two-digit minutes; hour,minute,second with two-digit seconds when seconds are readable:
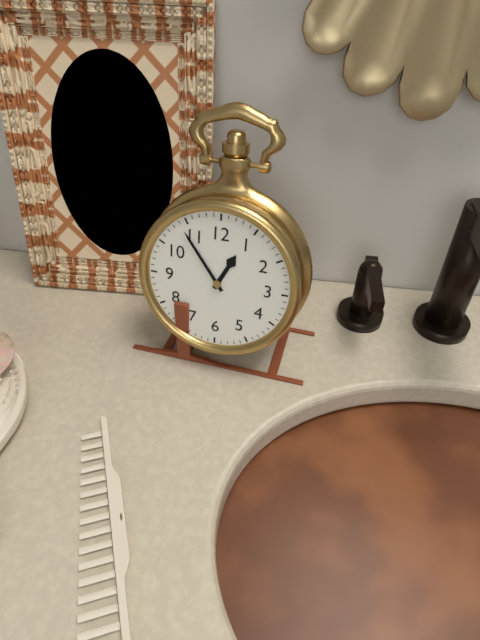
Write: 12,54
